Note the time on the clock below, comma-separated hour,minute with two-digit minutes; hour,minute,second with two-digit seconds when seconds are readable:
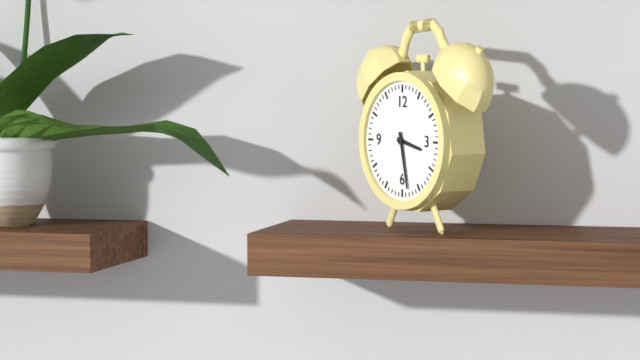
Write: 3,28
